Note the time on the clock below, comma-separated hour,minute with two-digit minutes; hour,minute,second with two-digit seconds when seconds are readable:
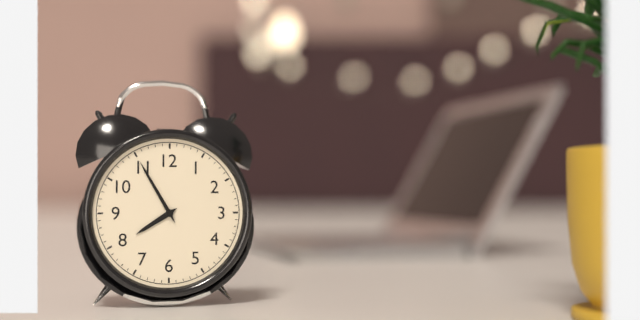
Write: 7,55
